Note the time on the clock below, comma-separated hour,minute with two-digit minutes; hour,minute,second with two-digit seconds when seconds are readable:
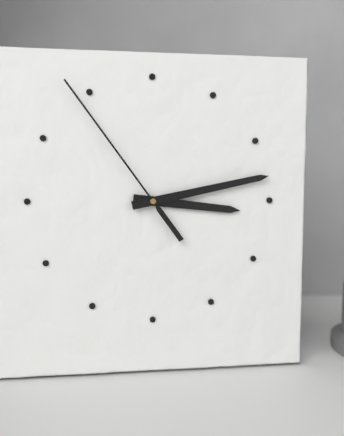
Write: 3,13,54
